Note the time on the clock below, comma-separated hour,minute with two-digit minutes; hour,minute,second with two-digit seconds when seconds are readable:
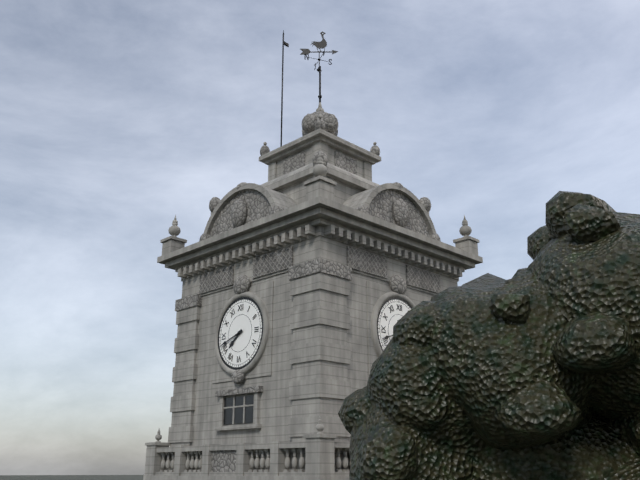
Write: 7,42
